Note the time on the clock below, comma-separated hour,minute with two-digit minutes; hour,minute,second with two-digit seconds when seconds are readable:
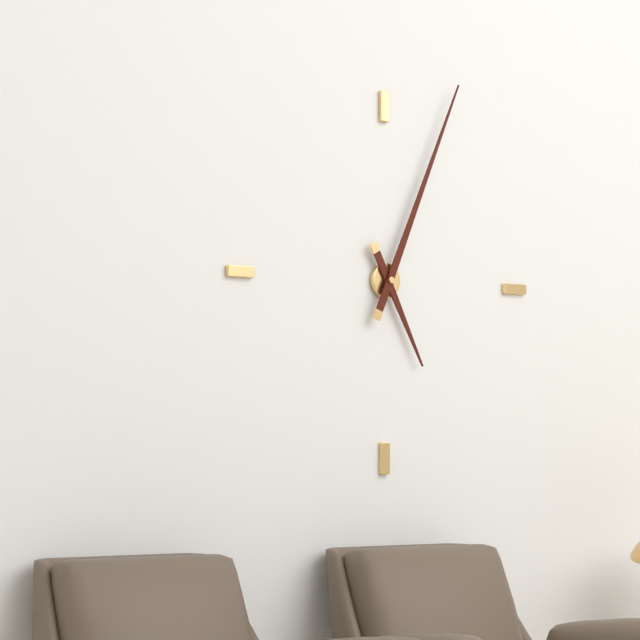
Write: 5,04
